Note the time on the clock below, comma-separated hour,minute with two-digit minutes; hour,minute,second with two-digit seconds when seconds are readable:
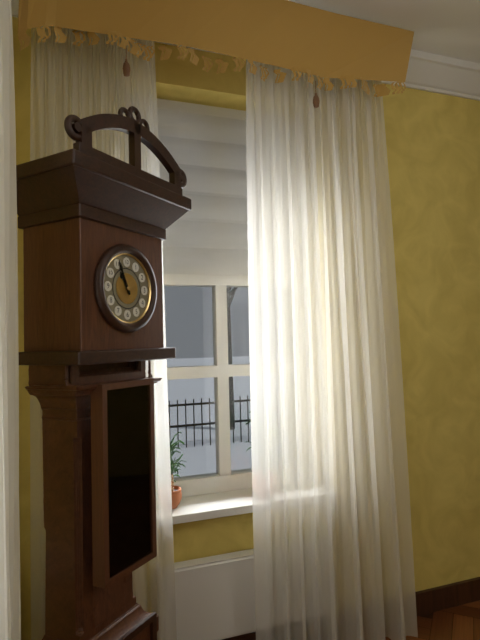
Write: 10,56
